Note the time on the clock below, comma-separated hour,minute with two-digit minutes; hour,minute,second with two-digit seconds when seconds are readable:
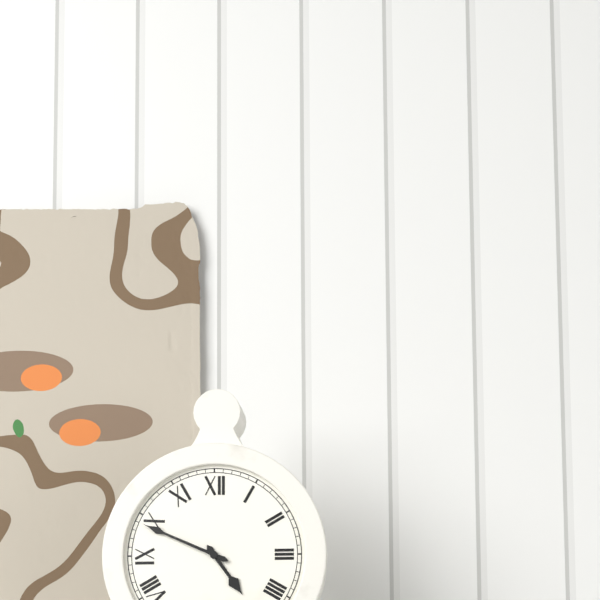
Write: 4,49
